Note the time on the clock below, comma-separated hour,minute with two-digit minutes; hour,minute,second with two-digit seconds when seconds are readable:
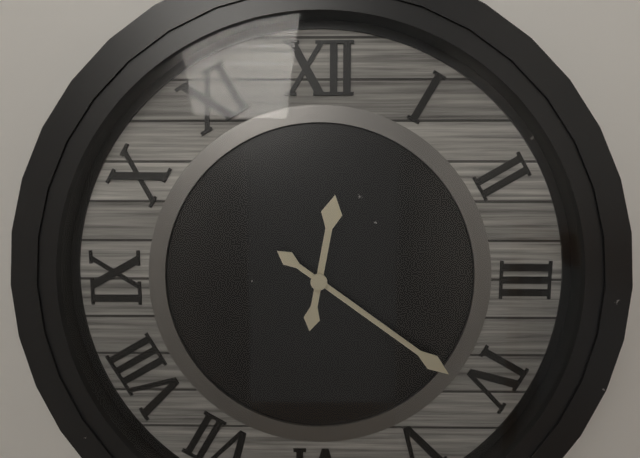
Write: 12,21
